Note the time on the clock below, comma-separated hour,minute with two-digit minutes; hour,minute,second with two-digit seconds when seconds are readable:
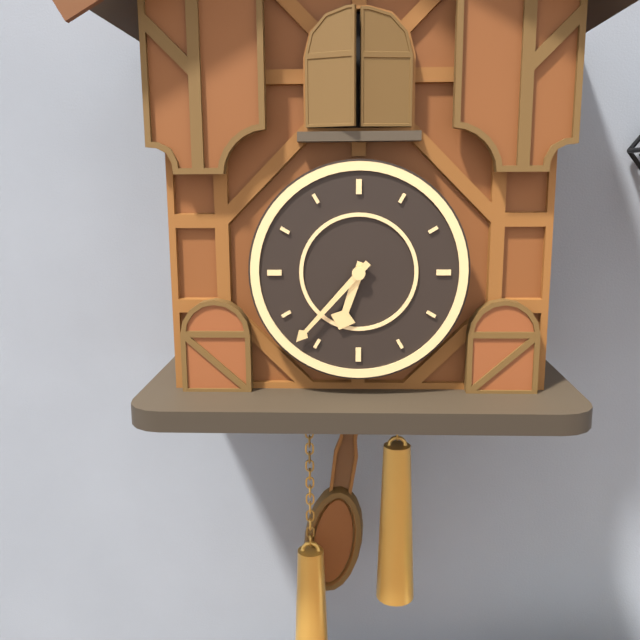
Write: 6,37
